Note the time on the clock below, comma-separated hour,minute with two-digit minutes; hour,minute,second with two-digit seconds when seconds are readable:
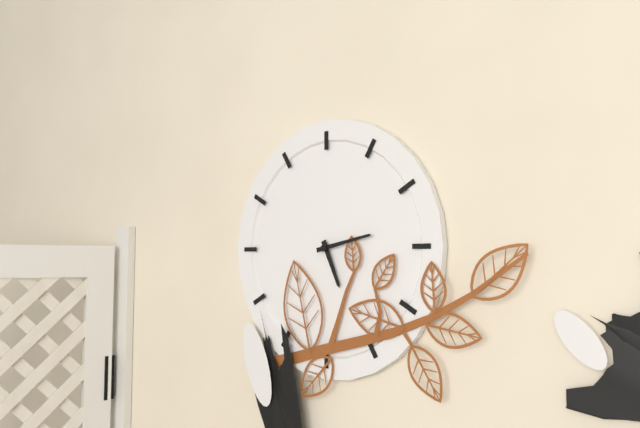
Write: 5,13
